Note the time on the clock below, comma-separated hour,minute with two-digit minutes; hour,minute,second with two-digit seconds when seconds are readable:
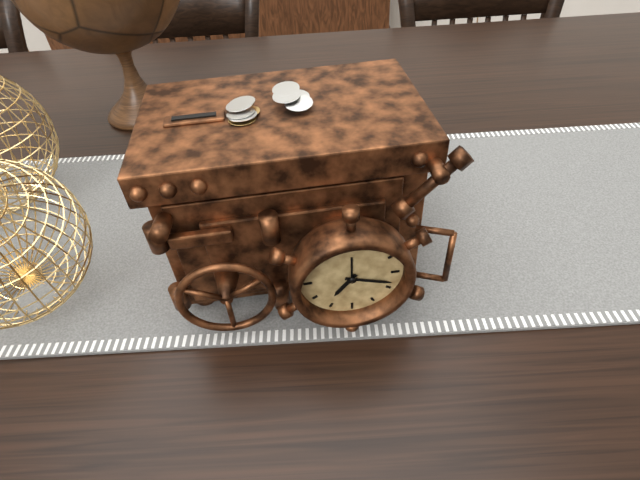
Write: 7,18
